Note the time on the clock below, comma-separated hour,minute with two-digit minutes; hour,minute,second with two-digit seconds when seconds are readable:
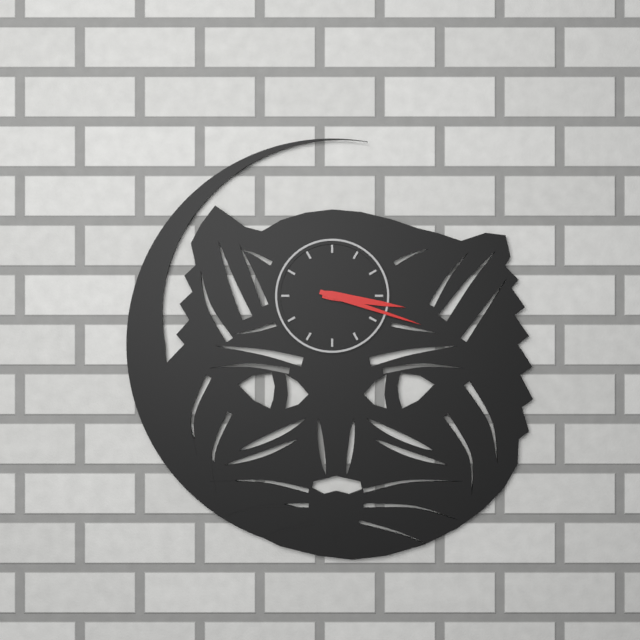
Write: 3,18
